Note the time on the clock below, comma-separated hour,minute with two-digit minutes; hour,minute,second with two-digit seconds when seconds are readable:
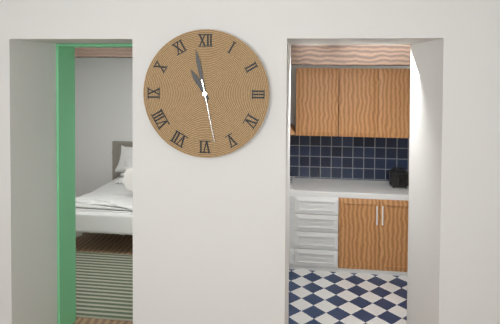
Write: 10,58,28
